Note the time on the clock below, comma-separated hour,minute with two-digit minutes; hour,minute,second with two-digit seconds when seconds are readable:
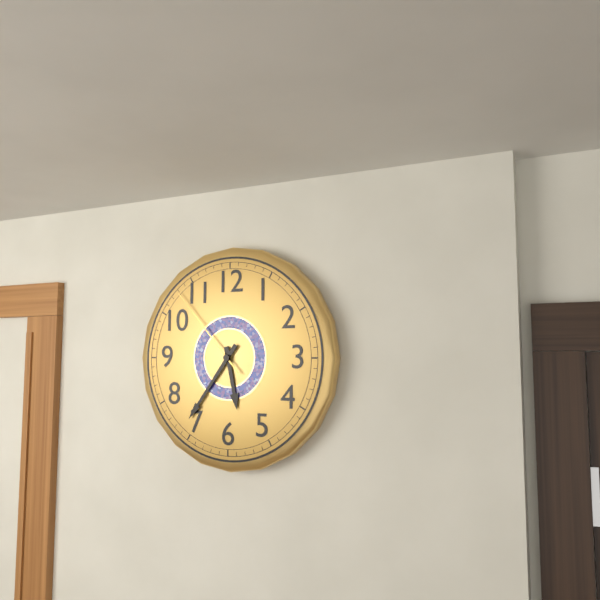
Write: 5,36,53
